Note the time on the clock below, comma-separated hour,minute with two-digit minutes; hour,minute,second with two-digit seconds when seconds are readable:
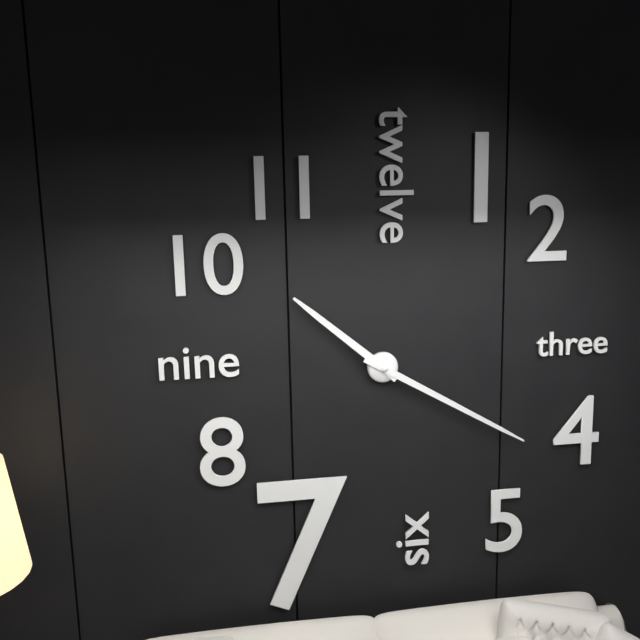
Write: 10,20
